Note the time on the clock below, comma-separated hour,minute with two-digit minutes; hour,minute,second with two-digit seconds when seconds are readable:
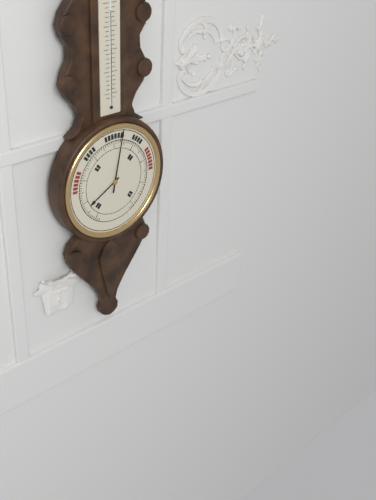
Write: 8,02
